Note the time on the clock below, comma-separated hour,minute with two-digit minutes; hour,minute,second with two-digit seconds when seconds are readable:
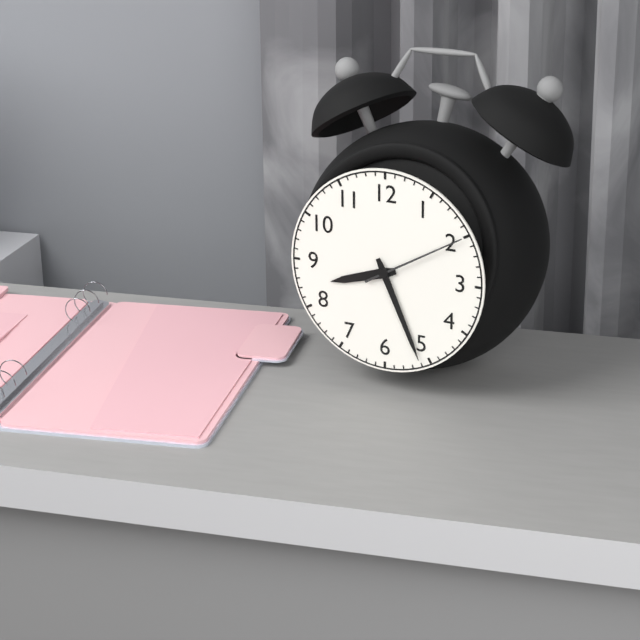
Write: 8,26,10
